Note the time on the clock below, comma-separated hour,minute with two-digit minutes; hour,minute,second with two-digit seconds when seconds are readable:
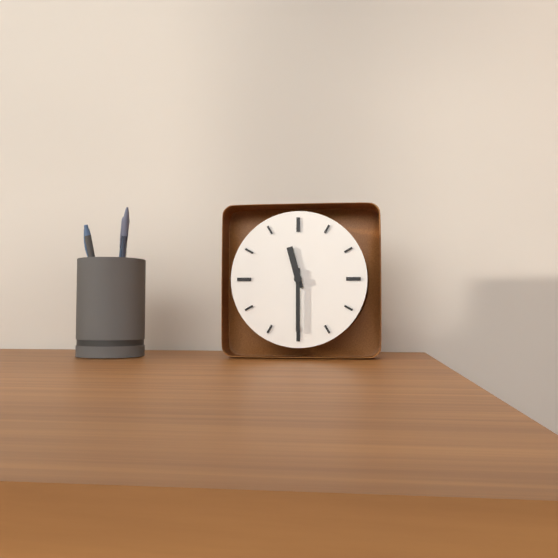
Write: 11,30
